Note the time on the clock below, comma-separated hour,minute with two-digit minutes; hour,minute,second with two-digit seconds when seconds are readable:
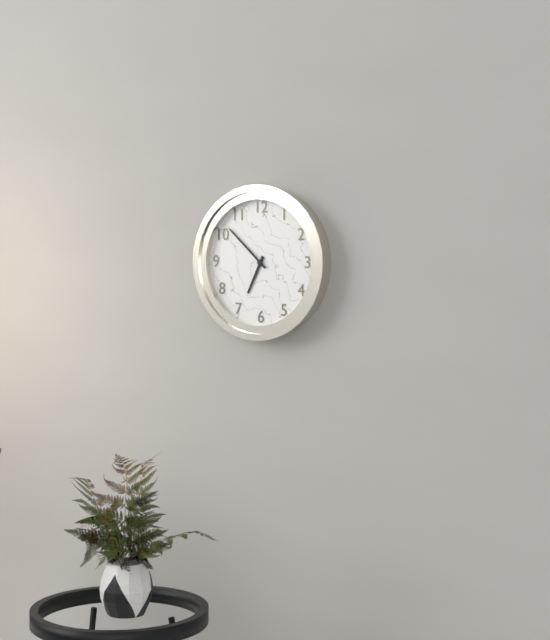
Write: 6,52
